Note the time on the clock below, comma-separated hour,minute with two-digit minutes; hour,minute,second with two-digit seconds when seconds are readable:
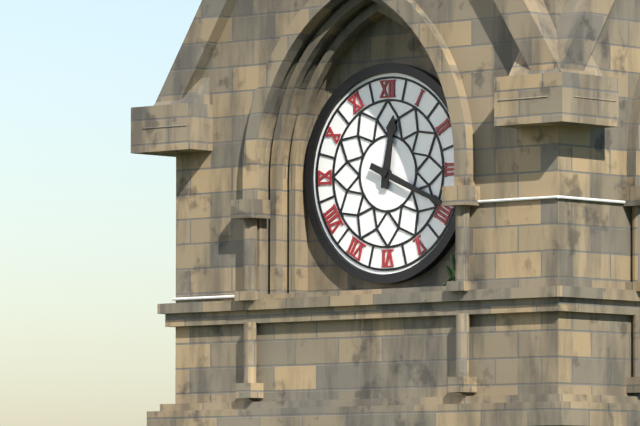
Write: 12,19
